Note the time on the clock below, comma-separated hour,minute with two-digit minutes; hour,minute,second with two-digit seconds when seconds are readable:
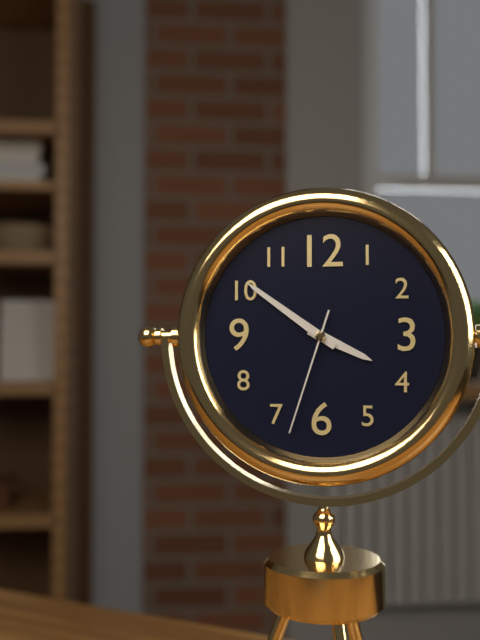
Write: 3,51,33
